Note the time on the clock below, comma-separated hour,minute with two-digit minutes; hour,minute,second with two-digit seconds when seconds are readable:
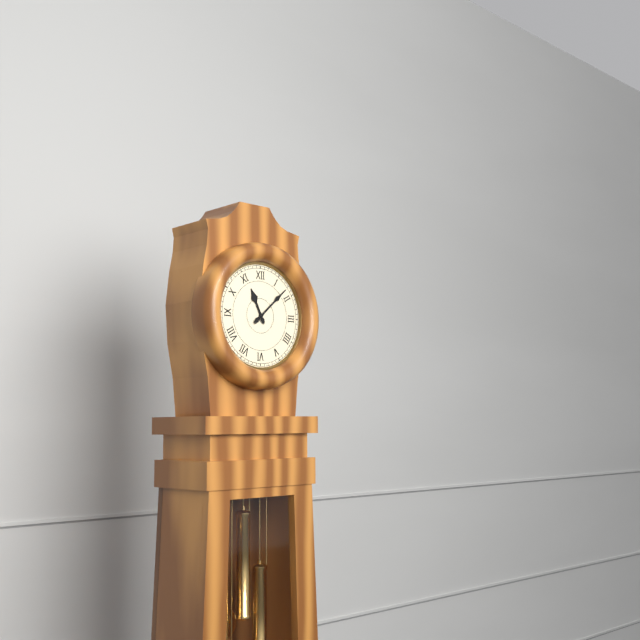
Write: 11,08
